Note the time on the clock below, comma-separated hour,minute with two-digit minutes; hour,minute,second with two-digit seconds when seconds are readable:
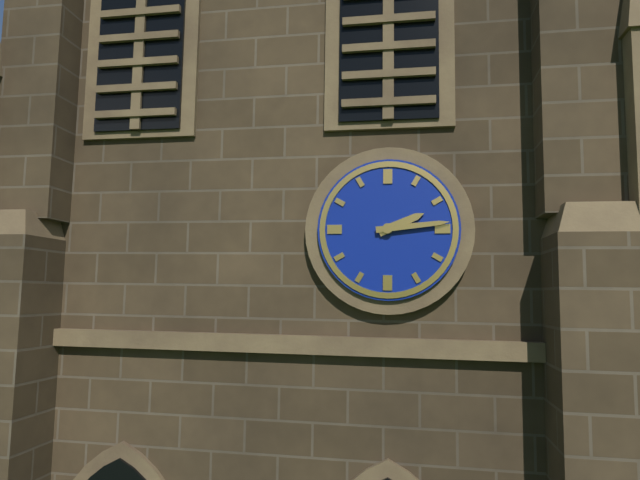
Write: 2,14
